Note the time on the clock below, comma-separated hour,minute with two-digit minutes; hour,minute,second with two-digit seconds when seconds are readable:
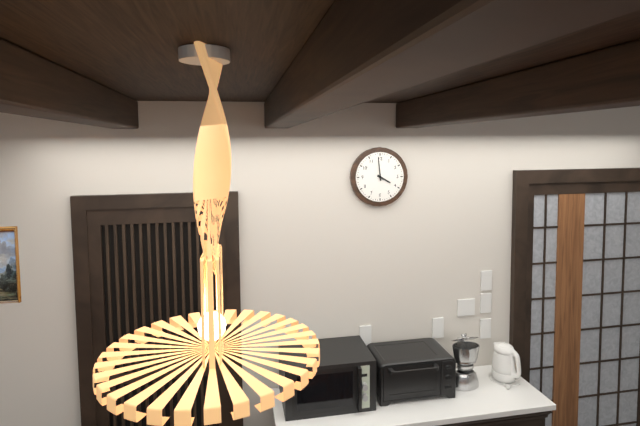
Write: 3,59
